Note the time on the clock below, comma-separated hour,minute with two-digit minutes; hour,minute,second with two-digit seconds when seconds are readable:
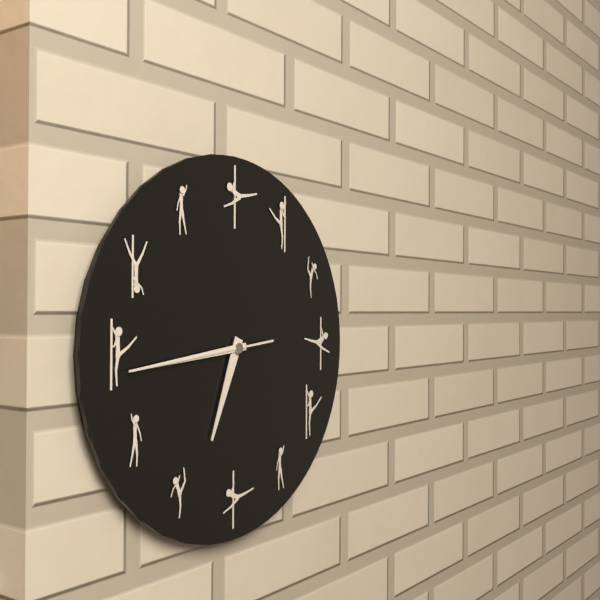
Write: 6,44,44
